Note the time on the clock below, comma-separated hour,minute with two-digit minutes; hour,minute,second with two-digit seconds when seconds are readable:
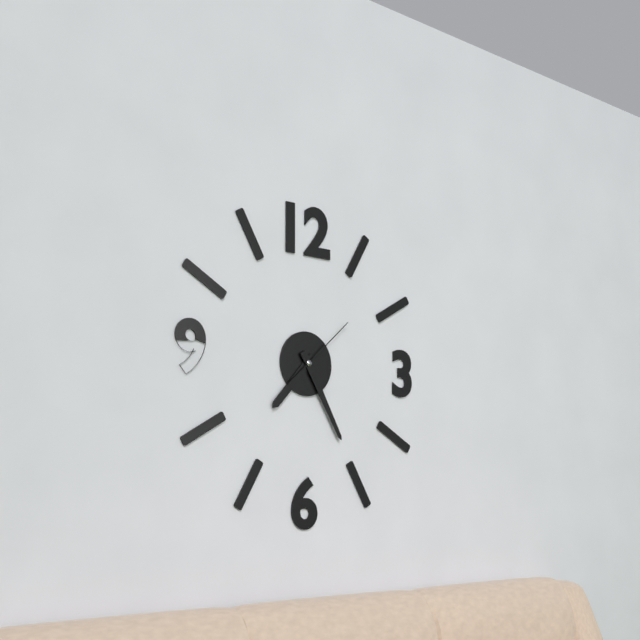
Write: 7,25,08
